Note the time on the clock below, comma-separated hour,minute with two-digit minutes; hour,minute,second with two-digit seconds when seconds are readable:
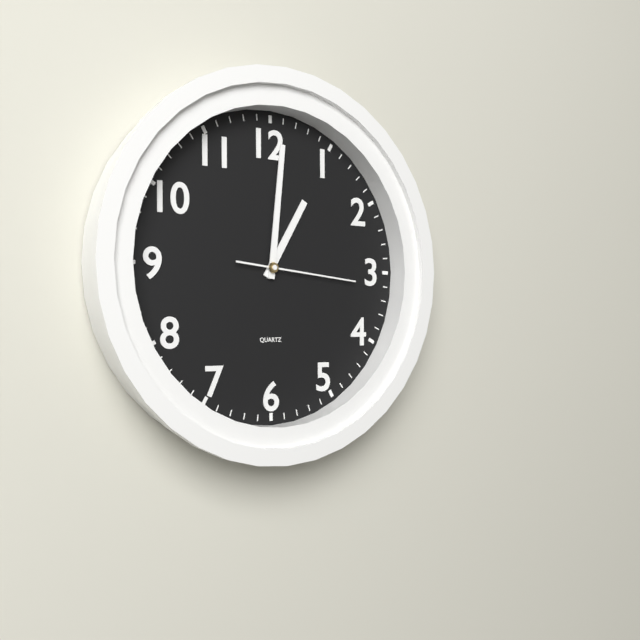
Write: 1,01,16
